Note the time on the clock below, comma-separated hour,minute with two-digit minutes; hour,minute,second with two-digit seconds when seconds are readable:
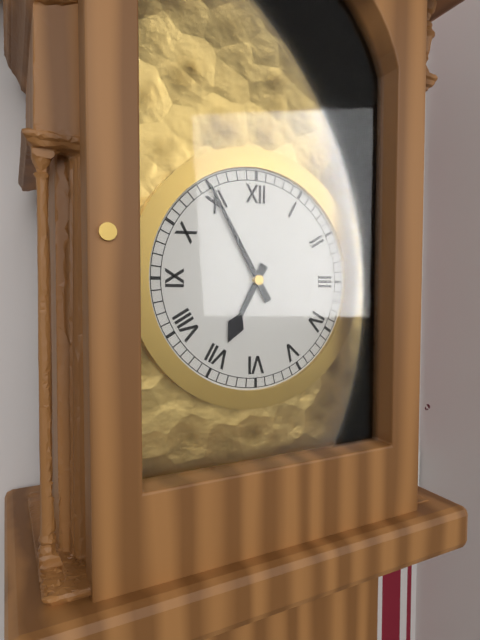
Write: 6,55
